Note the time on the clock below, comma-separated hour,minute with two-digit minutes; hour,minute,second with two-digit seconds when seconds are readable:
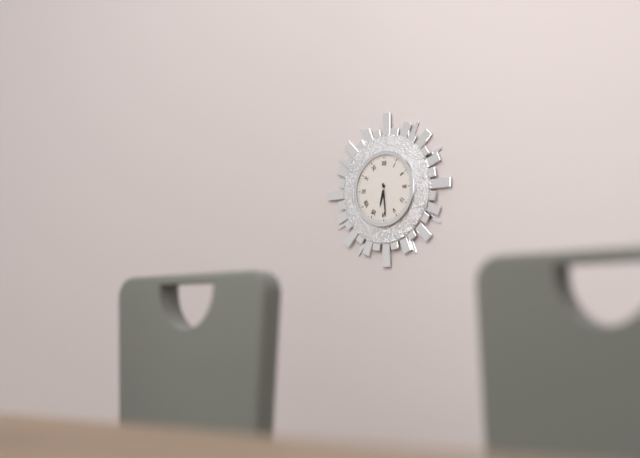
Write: 6,29
